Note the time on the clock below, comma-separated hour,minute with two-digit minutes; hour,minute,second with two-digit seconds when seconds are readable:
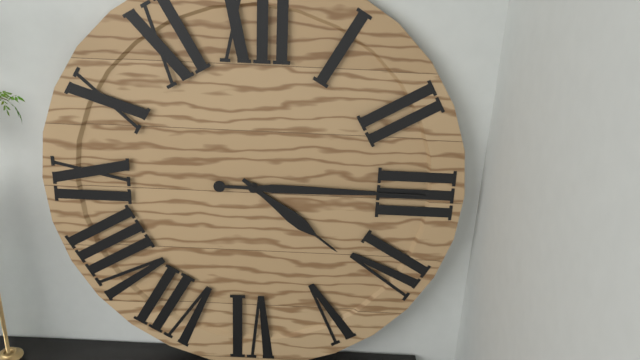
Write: 4,15
